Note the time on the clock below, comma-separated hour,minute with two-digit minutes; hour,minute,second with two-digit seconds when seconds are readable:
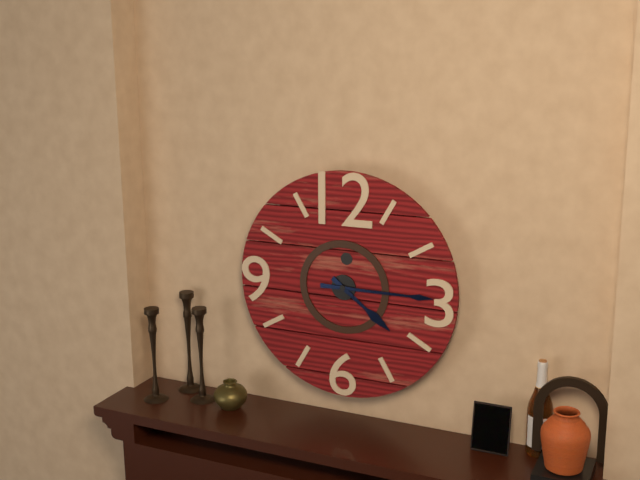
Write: 4,15
